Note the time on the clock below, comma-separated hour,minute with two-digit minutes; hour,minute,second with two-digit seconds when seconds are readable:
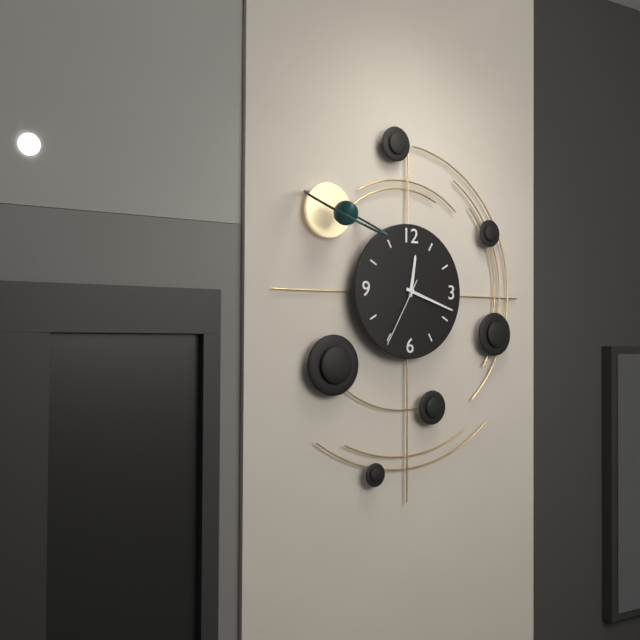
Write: 12,18,35
